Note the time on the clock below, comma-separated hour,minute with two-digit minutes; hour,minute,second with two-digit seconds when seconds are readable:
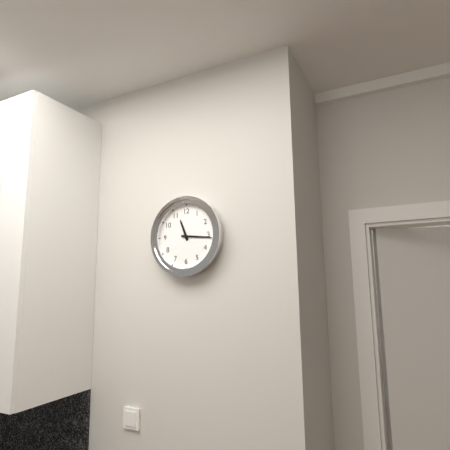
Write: 11,16
